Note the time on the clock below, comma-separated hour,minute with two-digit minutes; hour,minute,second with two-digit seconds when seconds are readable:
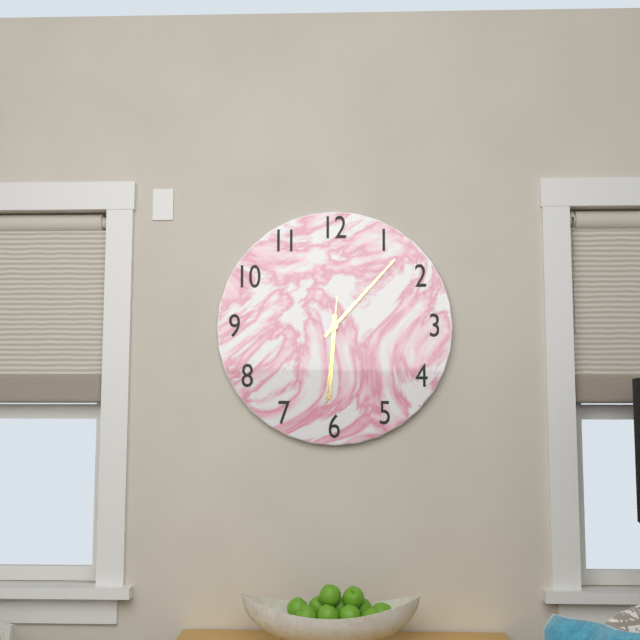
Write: 6,07,31
